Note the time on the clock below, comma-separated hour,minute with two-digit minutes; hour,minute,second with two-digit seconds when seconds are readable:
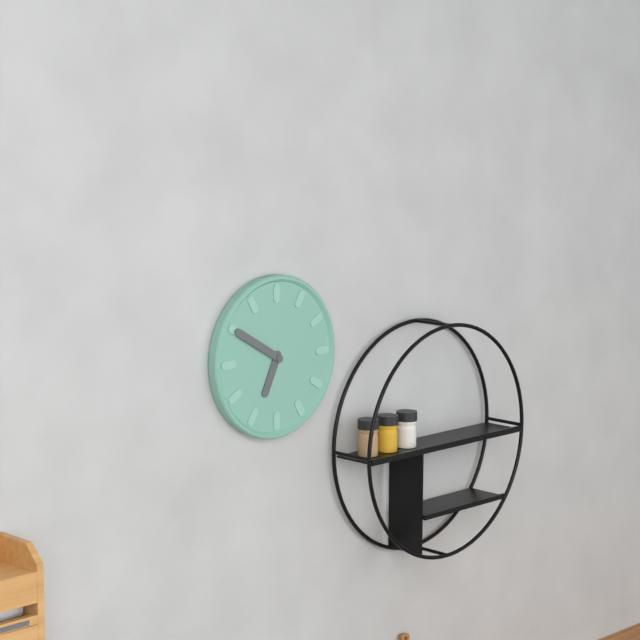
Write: 6,50
